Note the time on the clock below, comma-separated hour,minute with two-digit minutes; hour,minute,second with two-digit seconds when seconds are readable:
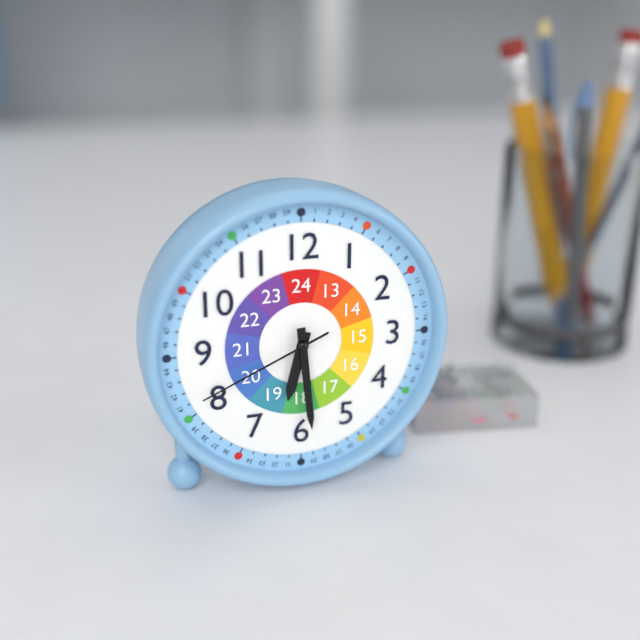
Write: 6,29,41
